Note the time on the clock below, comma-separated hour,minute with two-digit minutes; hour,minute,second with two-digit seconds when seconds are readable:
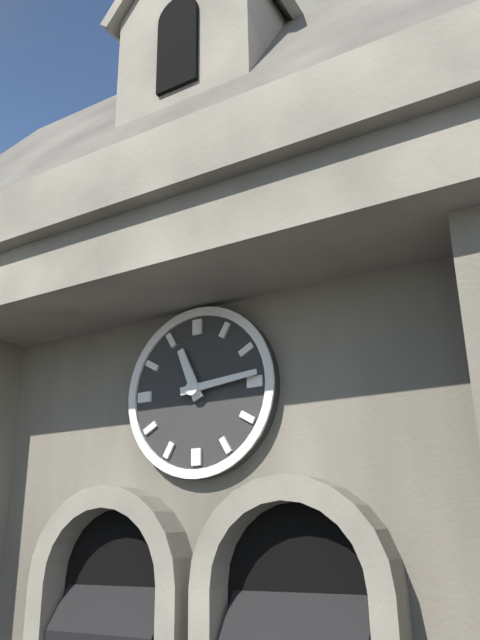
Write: 11,14
